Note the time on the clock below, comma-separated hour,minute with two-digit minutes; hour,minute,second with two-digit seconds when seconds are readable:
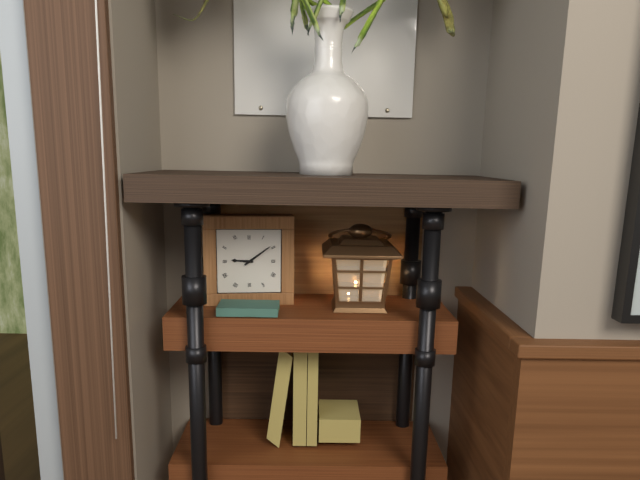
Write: 9,09
